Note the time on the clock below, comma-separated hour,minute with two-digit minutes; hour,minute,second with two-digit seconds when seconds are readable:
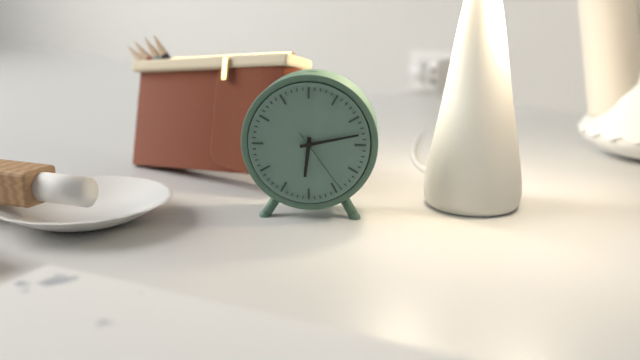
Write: 6,13,24
